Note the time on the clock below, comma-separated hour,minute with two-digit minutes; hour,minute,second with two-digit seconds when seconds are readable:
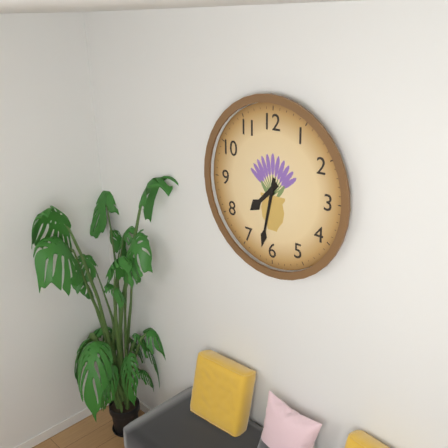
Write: 7,32
